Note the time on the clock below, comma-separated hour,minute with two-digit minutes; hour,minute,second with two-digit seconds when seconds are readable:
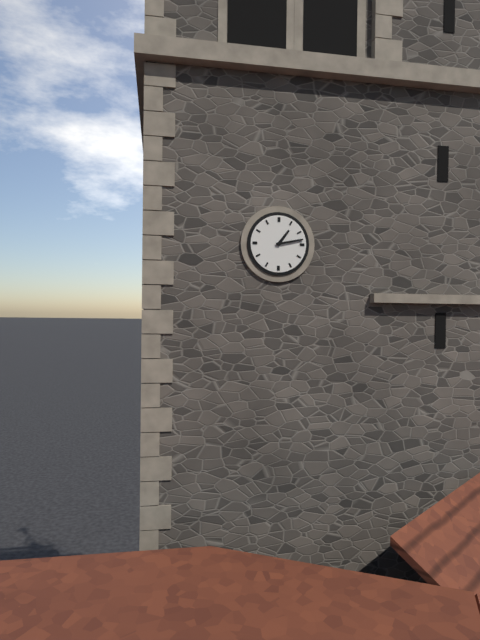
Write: 1,13
